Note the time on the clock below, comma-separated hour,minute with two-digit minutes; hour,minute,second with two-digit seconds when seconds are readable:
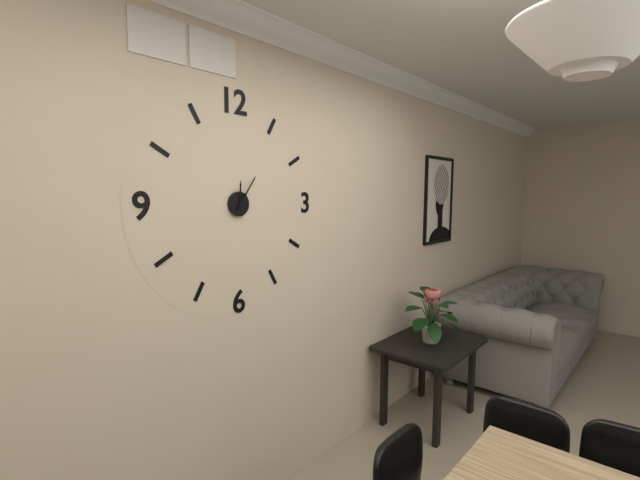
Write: 12,06
